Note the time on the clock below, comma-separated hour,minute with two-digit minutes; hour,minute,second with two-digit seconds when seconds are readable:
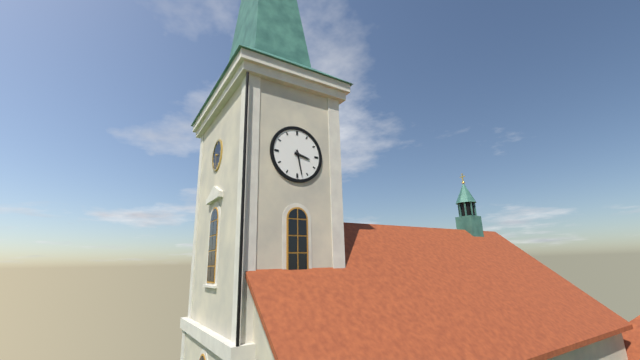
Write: 3,28
